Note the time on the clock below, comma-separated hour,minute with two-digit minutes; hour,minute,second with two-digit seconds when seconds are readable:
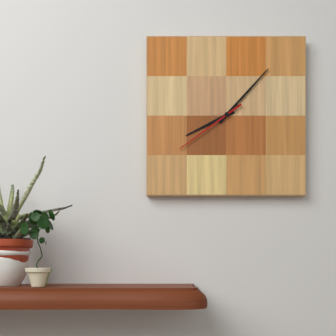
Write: 8,07,39
